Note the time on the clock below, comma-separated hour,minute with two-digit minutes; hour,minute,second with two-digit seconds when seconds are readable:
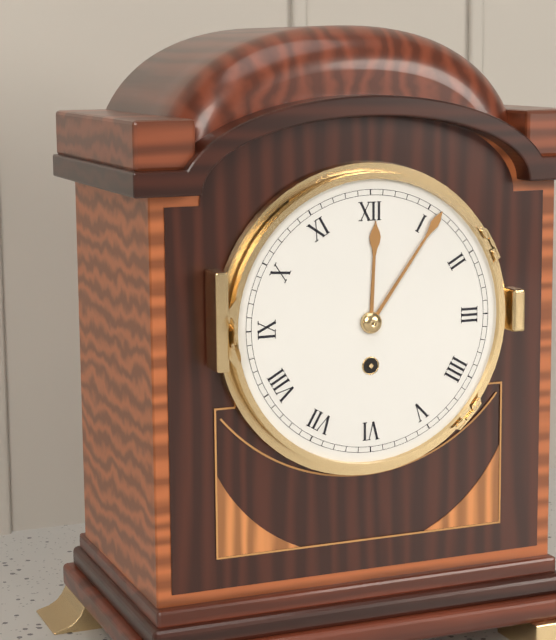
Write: 12,06
